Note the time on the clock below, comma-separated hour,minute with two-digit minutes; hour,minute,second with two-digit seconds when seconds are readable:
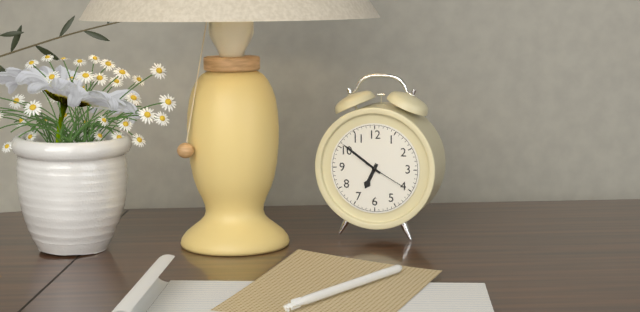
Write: 6,51
